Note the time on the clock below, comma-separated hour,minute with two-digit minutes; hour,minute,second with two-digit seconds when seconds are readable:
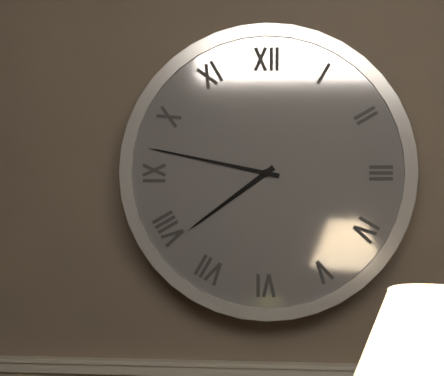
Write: 7,47
